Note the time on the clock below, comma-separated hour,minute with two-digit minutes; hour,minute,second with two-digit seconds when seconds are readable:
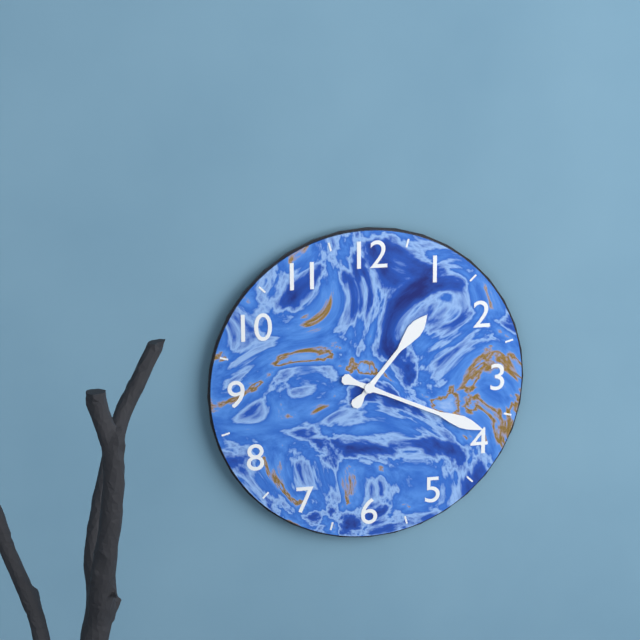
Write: 1,19
